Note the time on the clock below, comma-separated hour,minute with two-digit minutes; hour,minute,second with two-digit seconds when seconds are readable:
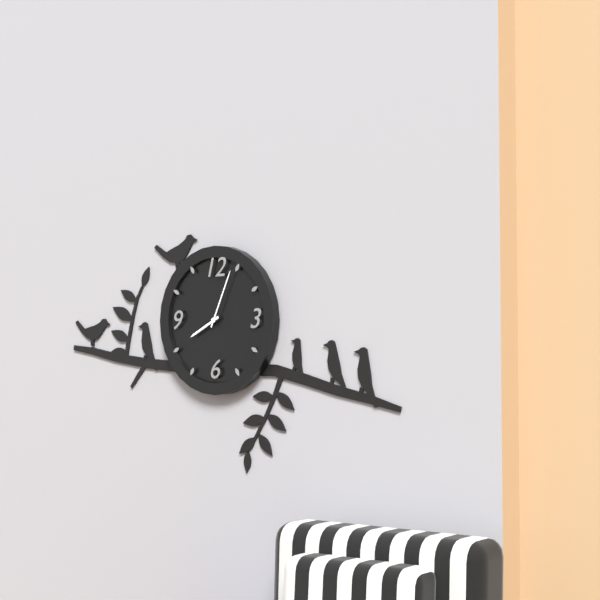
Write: 8,04
